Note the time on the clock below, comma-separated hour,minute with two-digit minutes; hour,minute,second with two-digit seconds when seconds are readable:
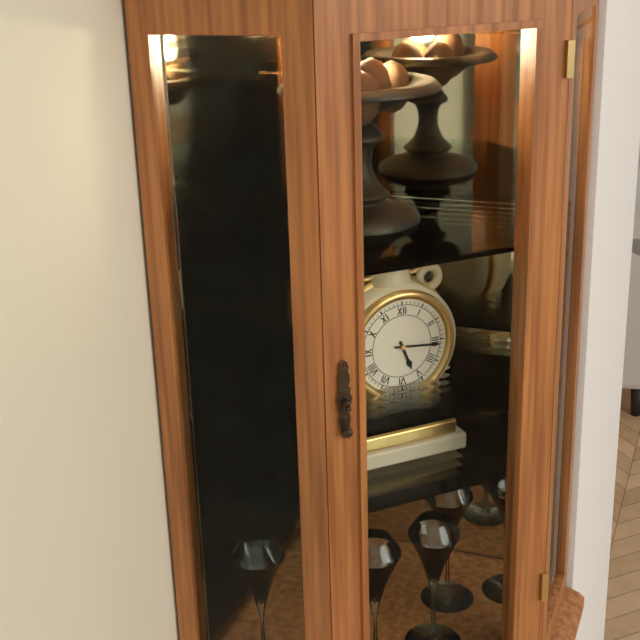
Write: 5,16
